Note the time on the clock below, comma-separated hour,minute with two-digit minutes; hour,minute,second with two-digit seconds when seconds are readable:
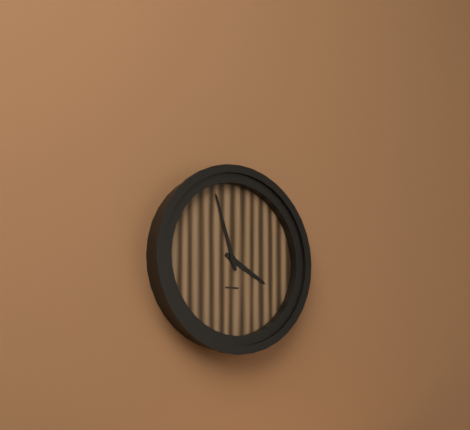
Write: 3,57
